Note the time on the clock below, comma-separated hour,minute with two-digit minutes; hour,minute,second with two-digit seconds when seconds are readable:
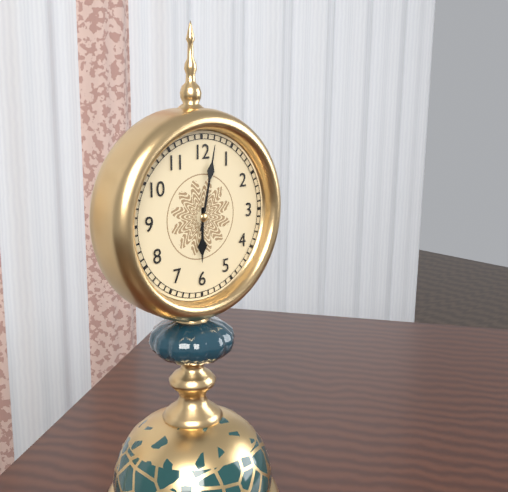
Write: 6,02
